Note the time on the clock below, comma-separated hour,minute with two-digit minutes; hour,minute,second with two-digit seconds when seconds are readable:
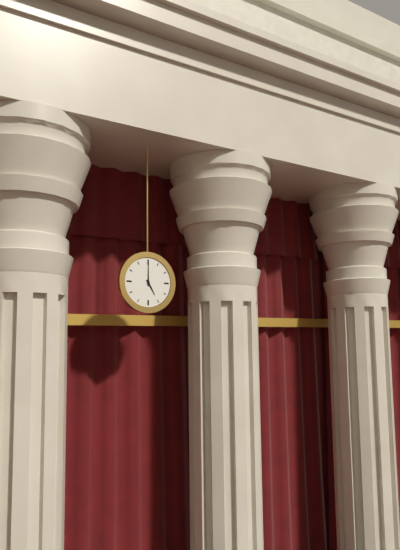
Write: 5,00
